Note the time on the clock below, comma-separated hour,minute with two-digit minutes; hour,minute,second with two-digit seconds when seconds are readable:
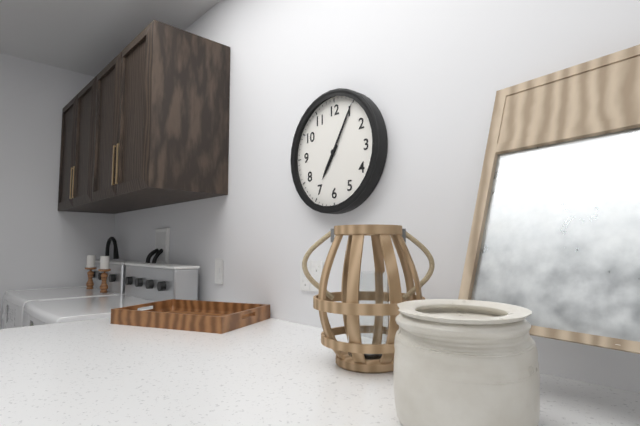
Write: 7,05
